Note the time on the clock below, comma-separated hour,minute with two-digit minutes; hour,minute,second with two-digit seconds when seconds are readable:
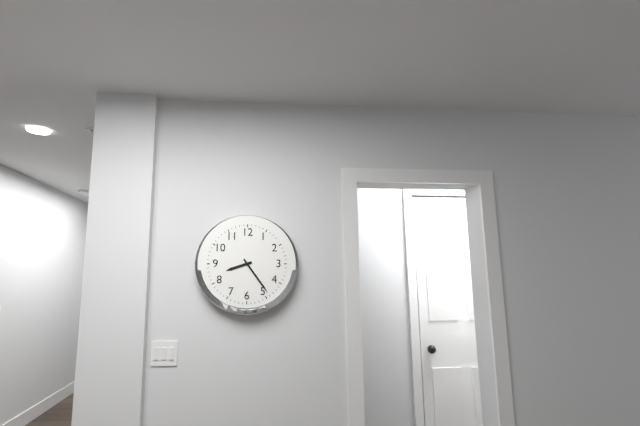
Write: 8,24
